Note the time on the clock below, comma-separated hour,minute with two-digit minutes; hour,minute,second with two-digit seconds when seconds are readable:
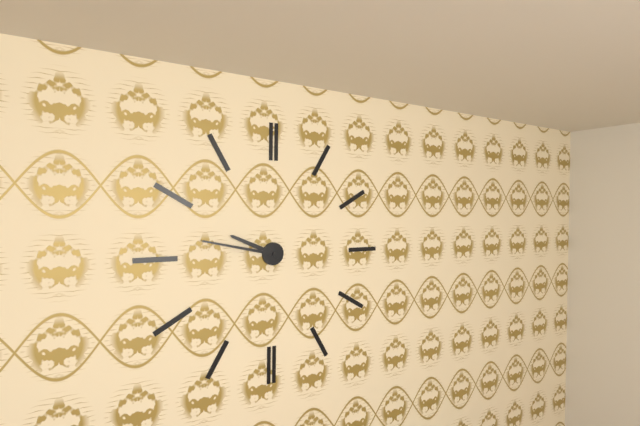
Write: 9,47
